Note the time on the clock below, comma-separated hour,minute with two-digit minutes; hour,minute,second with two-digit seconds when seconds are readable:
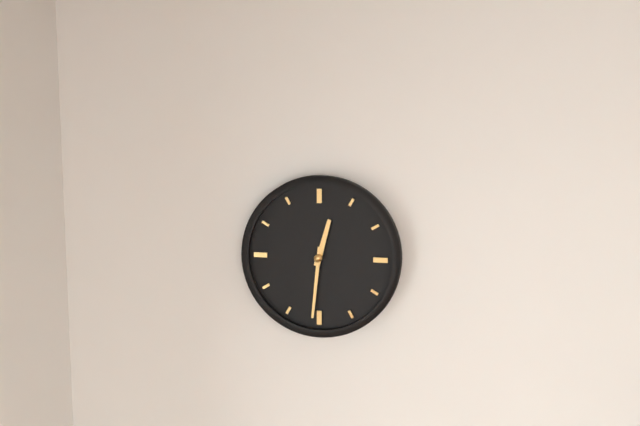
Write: 12,31
